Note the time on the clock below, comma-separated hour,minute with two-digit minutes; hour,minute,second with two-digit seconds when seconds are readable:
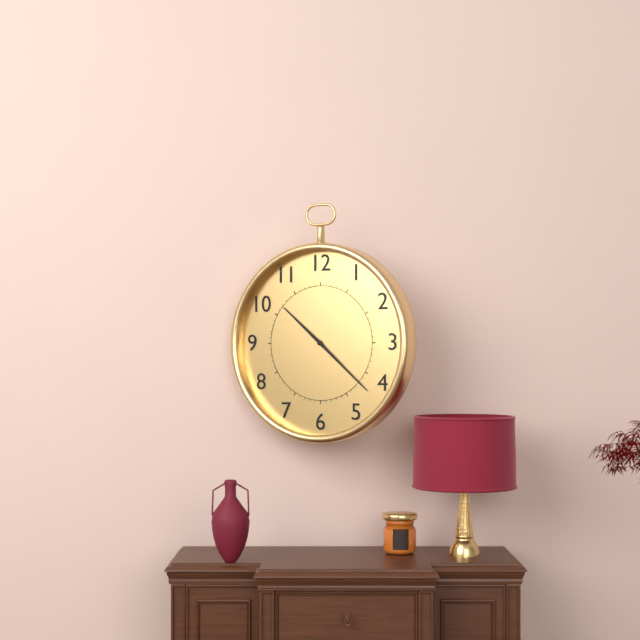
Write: 10,22
